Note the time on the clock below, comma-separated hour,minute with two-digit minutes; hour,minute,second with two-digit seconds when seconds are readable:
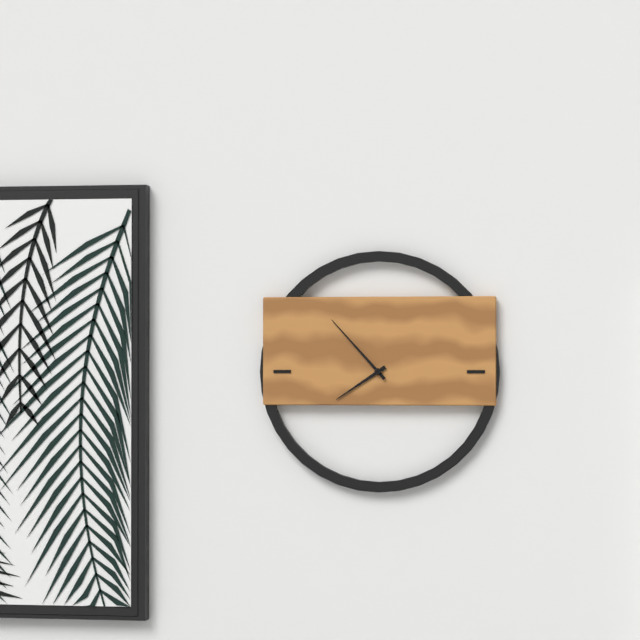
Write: 7,53
